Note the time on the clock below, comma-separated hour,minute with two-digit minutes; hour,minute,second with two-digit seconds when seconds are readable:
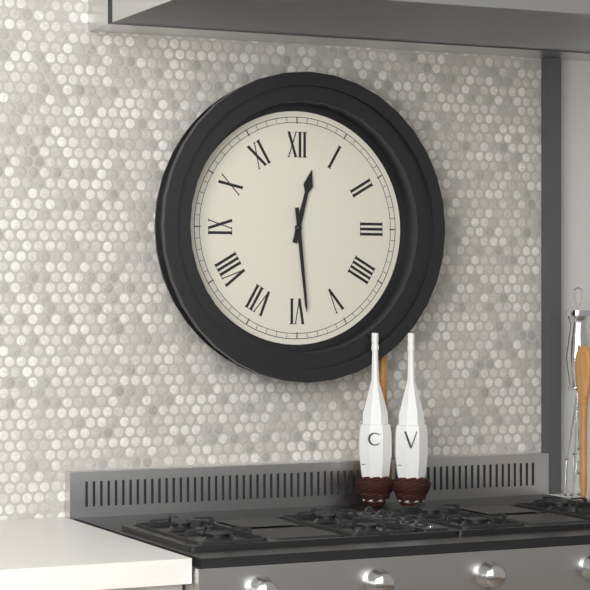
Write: 12,29
